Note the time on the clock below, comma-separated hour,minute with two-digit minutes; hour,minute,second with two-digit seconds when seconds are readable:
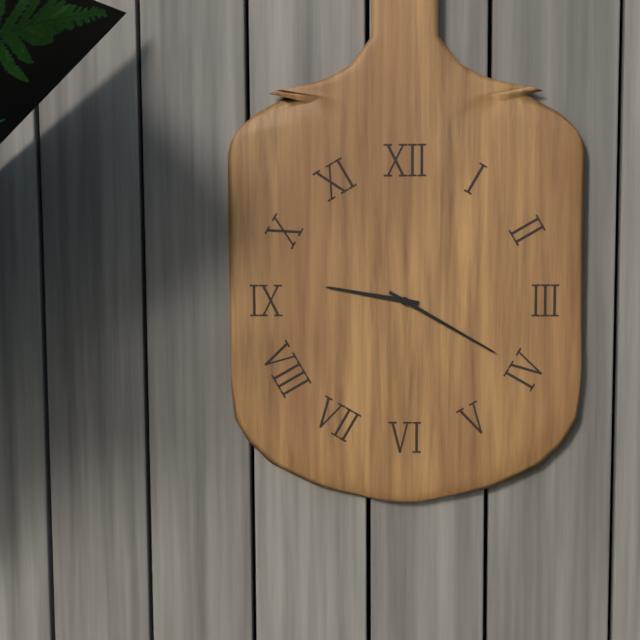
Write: 9,20
